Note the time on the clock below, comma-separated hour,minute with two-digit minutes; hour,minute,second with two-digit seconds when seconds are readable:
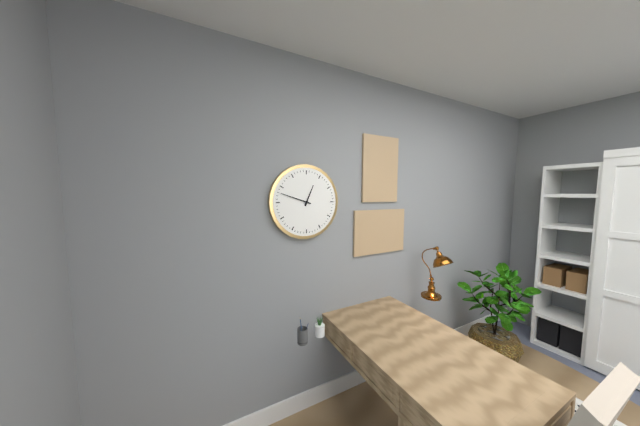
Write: 12,48
